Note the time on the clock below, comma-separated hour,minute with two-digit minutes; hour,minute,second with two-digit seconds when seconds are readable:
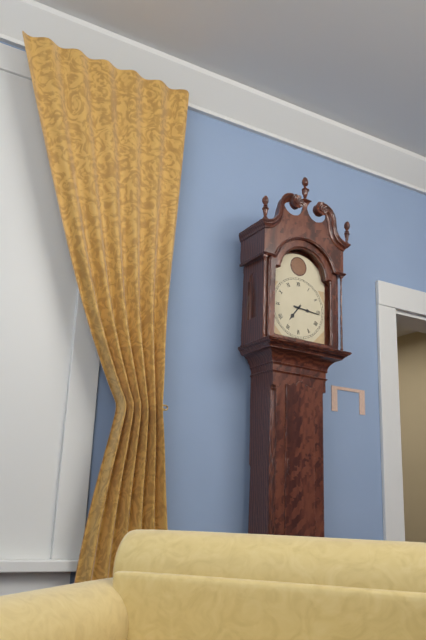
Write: 7,16
